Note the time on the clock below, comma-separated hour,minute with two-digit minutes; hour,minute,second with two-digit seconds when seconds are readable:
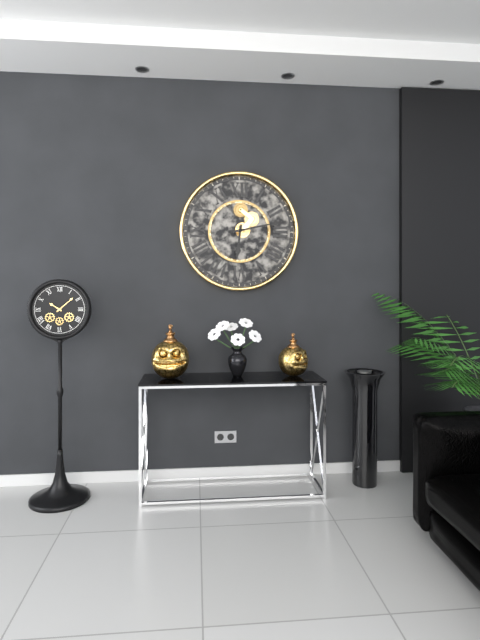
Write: 6,13
